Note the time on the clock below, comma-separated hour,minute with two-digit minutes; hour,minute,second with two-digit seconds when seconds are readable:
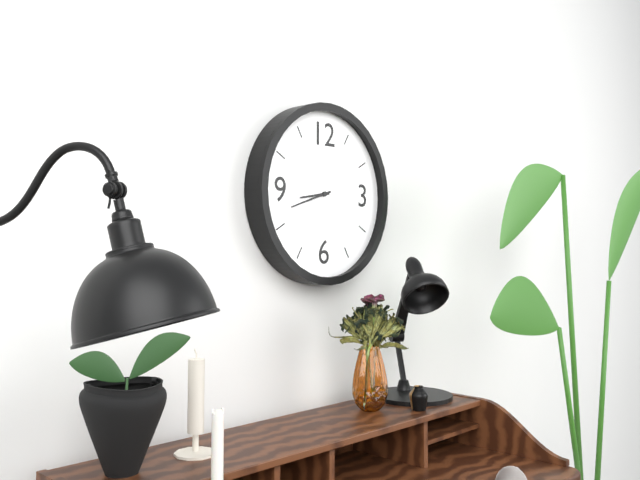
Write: 8,42
